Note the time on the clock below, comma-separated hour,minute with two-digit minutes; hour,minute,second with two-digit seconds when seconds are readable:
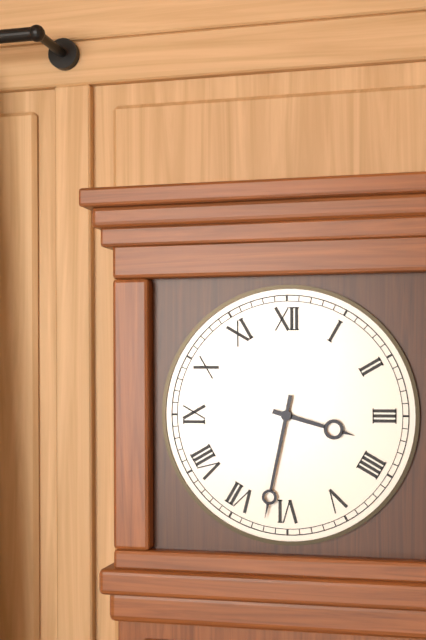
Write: 3,32
